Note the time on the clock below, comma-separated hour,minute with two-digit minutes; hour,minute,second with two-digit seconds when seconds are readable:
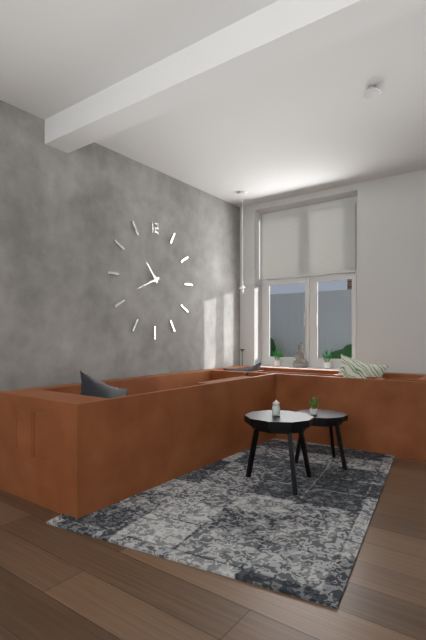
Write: 10,41
